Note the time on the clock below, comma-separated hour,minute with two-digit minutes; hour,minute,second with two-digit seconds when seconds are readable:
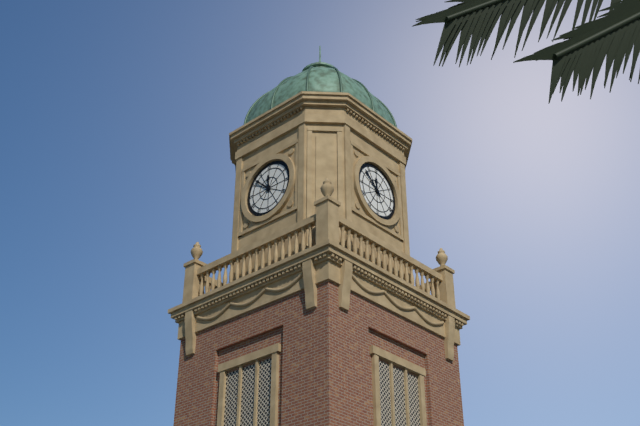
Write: 11,52
